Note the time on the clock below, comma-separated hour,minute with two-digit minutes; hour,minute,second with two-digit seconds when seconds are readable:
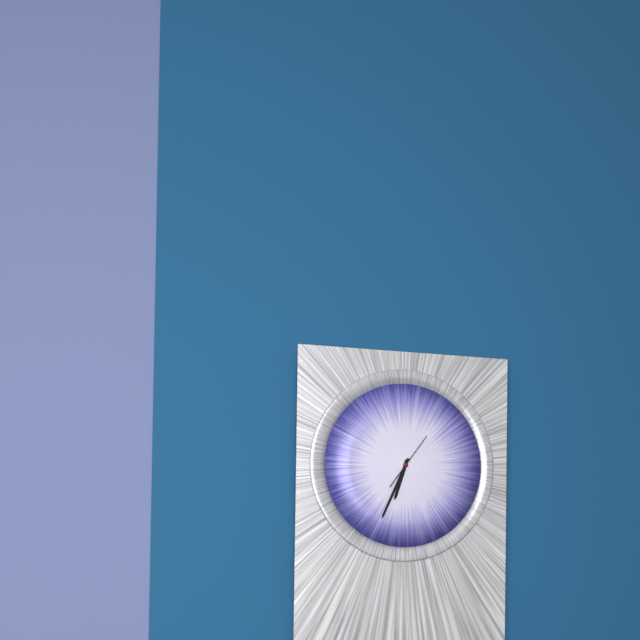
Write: 6,34
